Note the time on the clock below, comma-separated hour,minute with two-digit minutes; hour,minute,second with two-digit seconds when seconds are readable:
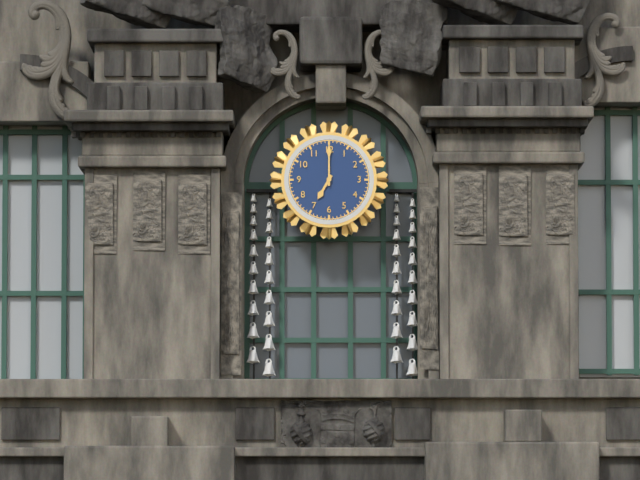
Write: 7,00
